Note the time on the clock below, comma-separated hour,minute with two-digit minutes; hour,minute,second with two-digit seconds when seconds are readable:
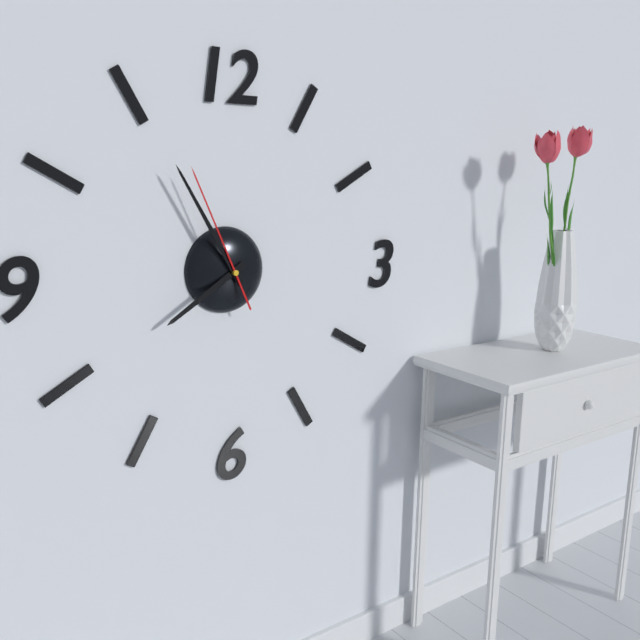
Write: 7,55,56
